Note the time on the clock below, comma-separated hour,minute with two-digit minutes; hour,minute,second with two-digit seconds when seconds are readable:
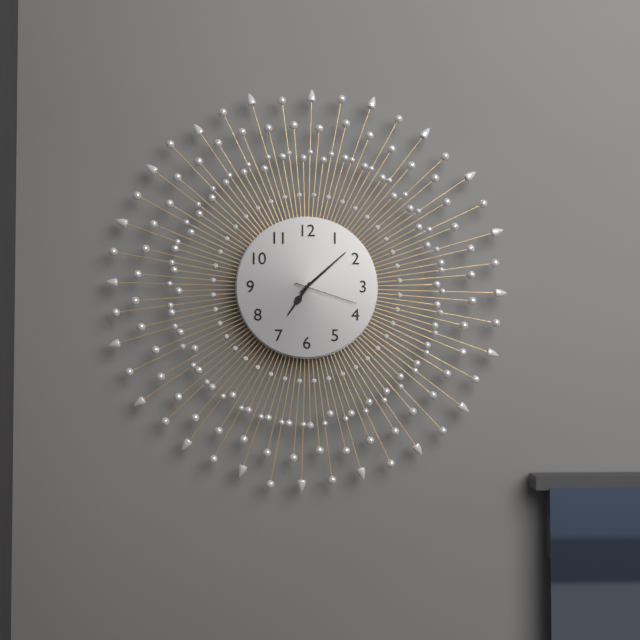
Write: 7,08,18
